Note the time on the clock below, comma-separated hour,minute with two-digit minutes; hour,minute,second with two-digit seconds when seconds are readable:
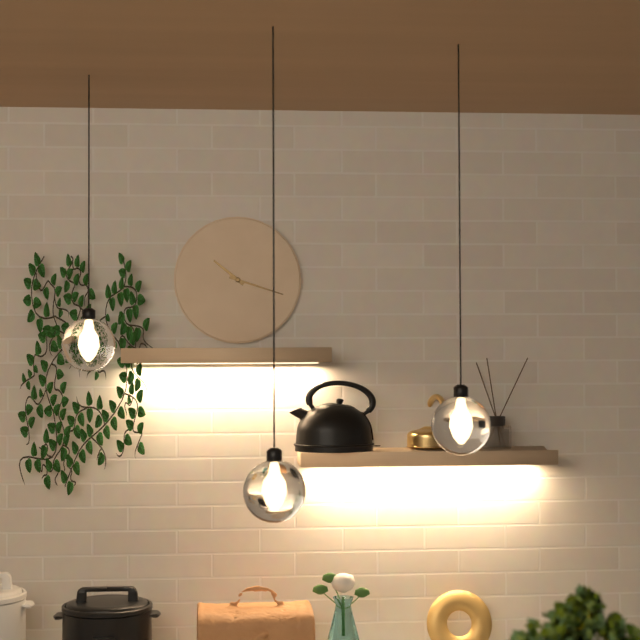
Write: 10,18
